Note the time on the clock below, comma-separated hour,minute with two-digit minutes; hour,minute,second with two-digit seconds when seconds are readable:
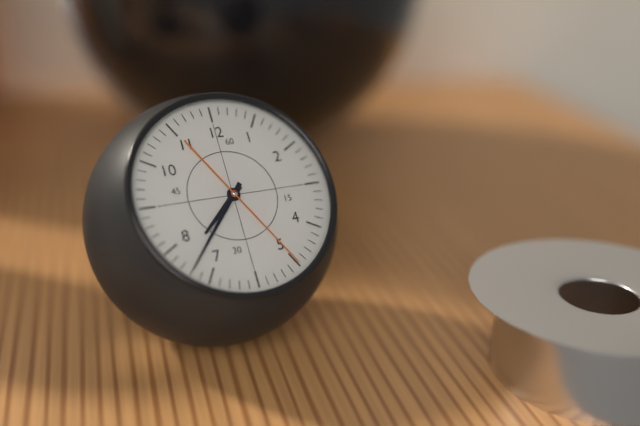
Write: 7,37,25
